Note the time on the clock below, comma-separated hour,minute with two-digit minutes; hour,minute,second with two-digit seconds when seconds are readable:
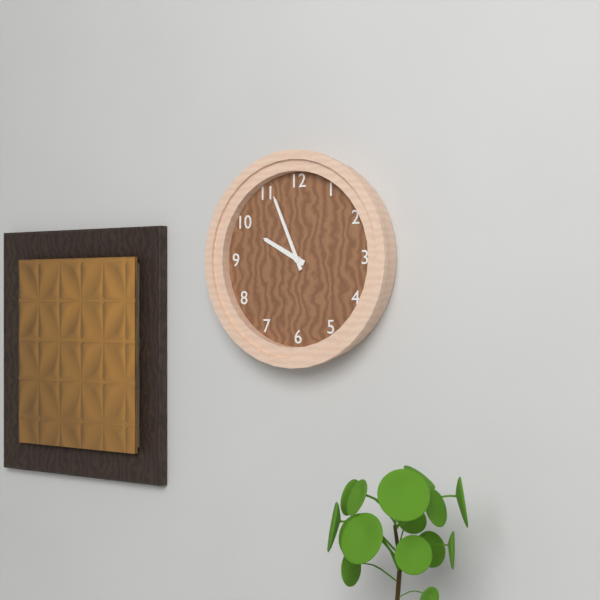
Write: 9,56
